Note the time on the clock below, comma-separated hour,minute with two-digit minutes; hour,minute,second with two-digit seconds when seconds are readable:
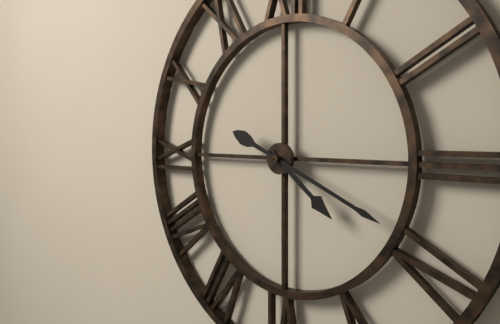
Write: 4,19
